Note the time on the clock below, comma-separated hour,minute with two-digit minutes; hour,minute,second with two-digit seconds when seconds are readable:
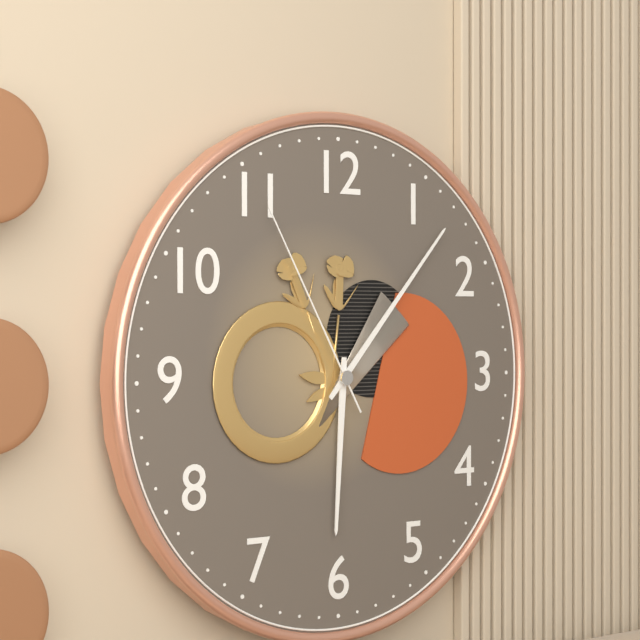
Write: 6,07,55
